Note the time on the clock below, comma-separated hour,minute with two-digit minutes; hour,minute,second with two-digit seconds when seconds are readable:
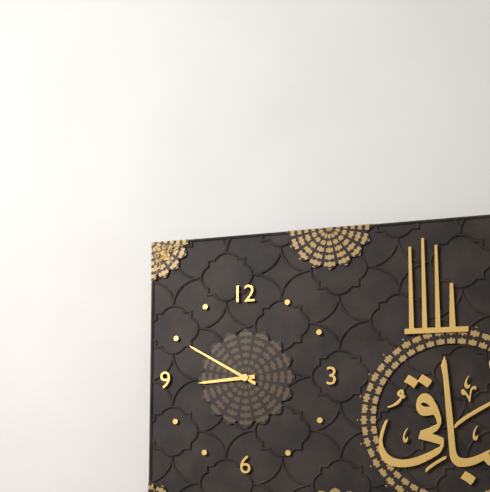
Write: 8,50
